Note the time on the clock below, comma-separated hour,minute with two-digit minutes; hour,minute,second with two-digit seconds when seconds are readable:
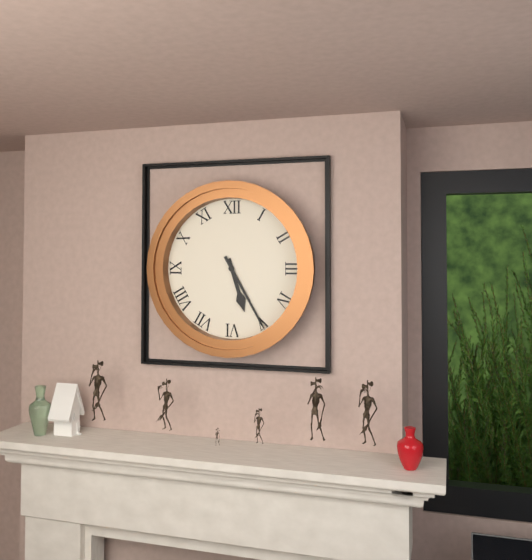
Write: 5,25
